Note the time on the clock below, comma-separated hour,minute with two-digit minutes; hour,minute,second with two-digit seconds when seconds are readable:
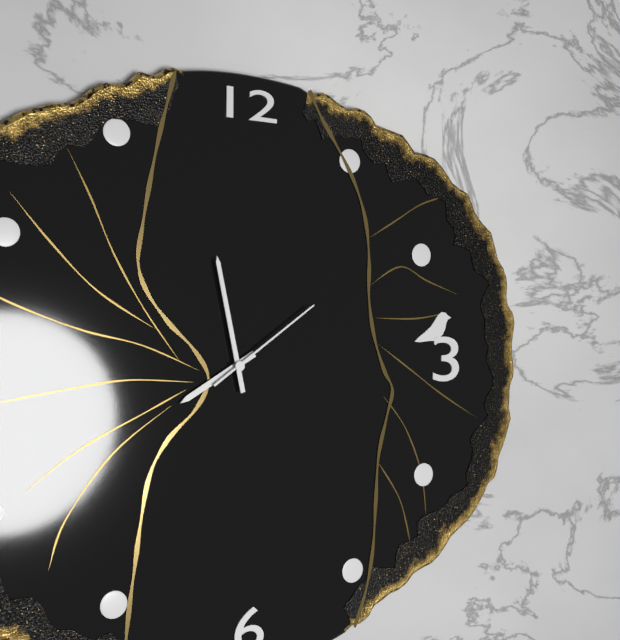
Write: 7,58,09
